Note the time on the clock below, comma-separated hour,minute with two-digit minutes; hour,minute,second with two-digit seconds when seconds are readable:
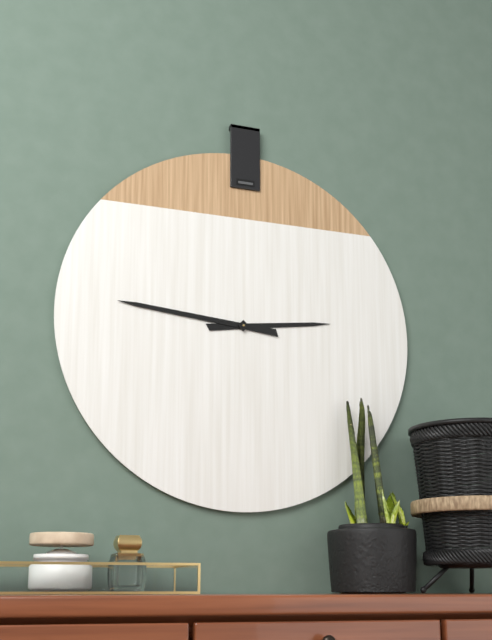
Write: 2,46
